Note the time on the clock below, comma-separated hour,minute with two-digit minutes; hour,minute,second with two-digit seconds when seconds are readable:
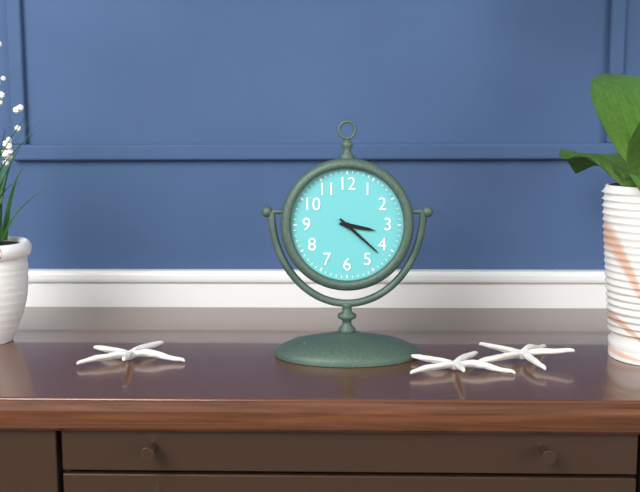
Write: 3,22
